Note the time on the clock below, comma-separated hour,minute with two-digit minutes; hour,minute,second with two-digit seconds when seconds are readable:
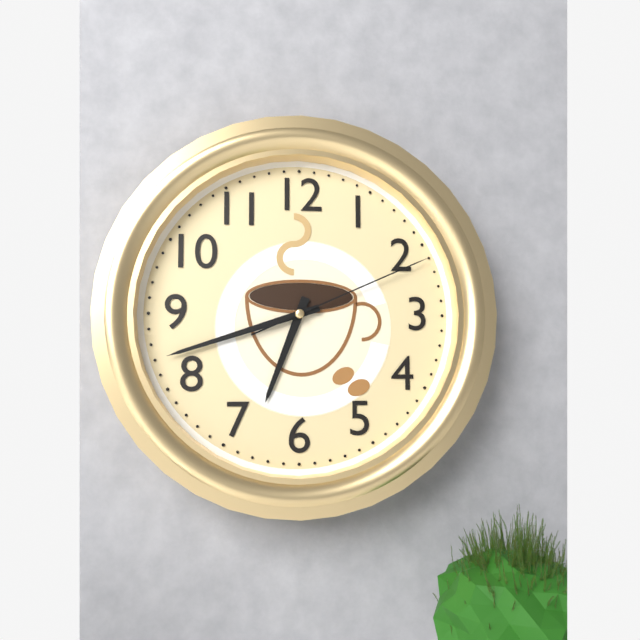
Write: 6,42,11
